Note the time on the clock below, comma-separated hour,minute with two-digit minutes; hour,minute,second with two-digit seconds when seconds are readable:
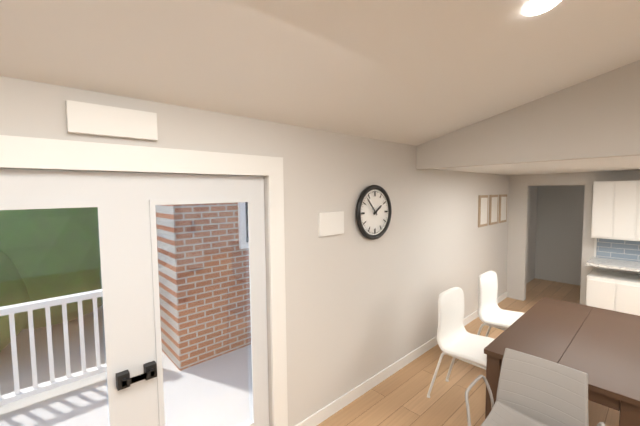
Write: 1,53
